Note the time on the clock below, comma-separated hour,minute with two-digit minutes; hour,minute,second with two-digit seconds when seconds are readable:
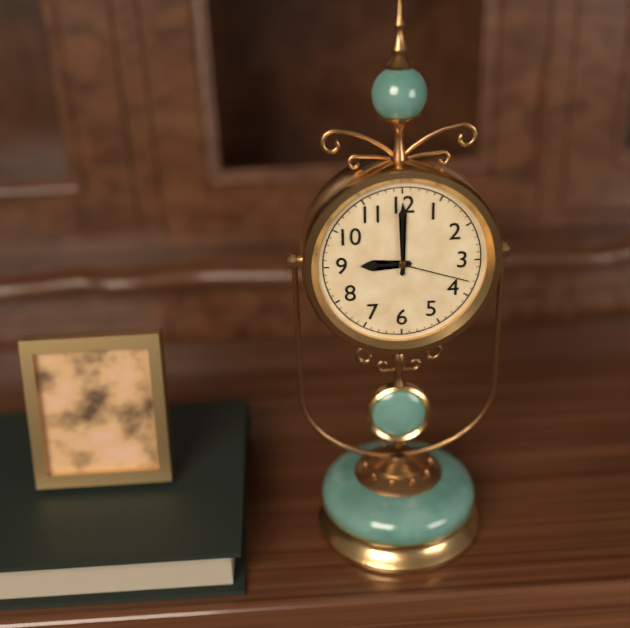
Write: 9,00,18
